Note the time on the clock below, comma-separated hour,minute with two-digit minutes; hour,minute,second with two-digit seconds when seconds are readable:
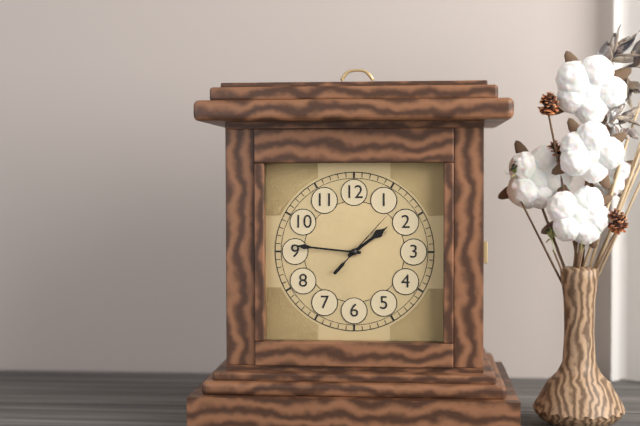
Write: 1,46,07
